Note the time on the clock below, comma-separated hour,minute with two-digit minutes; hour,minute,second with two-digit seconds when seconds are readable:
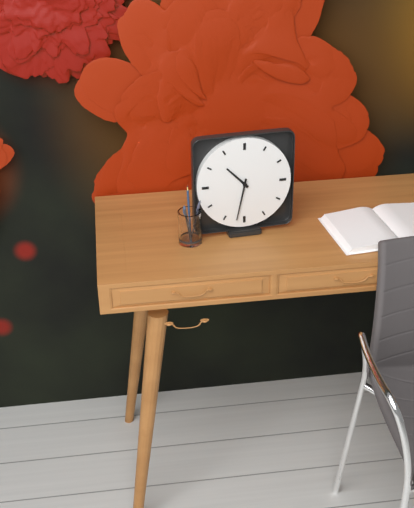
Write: 10,32
